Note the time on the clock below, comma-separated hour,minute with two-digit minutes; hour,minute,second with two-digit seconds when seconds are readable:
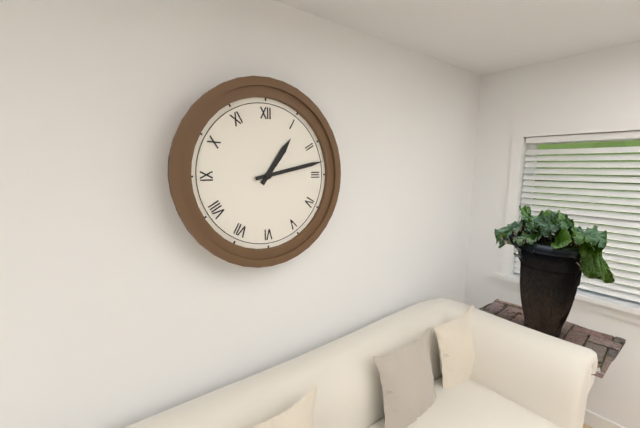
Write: 1,13
